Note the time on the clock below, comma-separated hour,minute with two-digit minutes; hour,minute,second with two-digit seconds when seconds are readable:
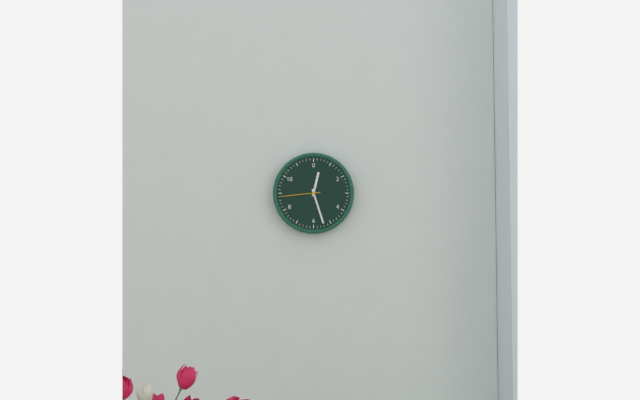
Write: 12,27
